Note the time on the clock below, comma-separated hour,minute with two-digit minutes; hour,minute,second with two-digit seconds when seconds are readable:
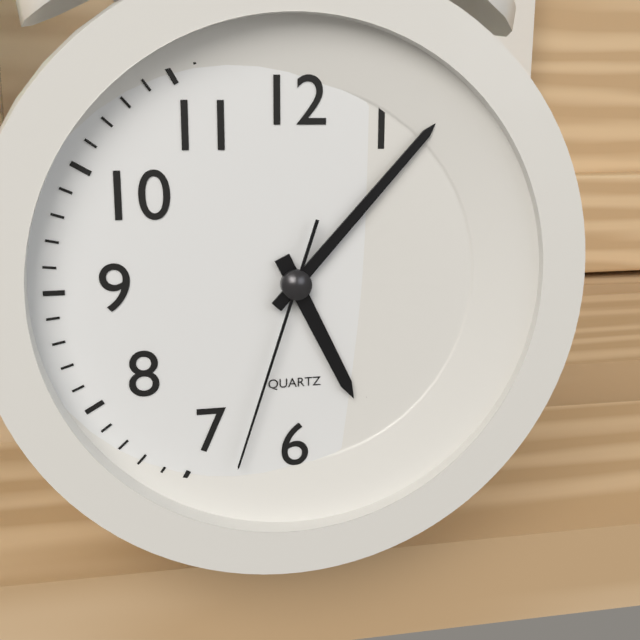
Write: 5,07,33
